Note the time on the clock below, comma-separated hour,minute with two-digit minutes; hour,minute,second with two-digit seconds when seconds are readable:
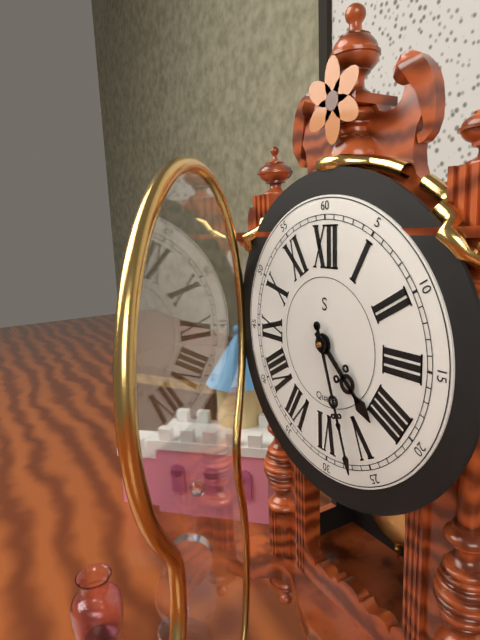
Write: 4,27
